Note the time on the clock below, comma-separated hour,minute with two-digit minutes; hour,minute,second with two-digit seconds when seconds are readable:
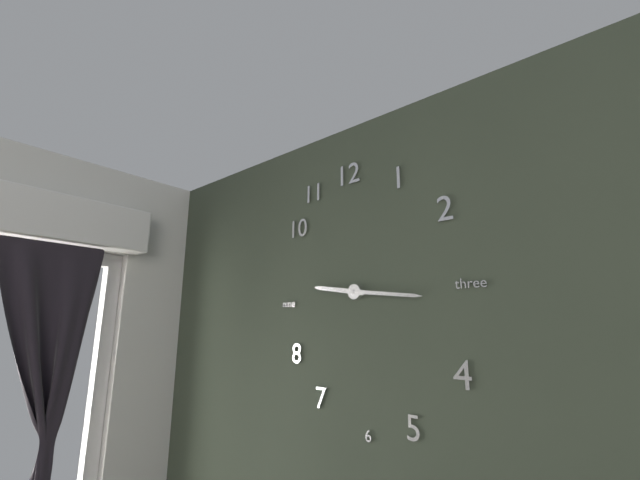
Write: 9,16
